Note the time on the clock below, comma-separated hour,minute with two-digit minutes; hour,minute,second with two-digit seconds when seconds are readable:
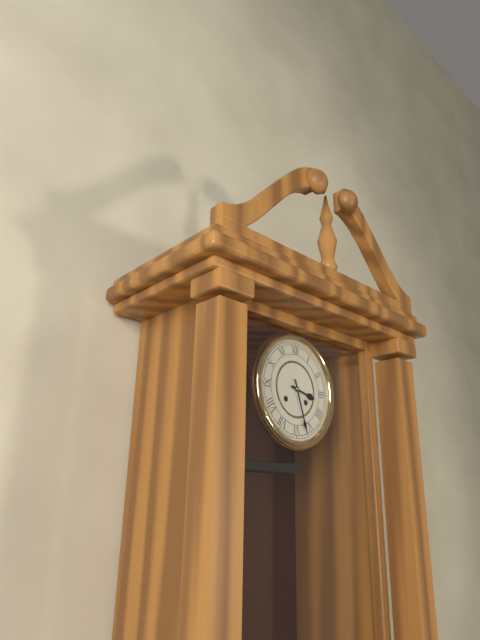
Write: 3,27
